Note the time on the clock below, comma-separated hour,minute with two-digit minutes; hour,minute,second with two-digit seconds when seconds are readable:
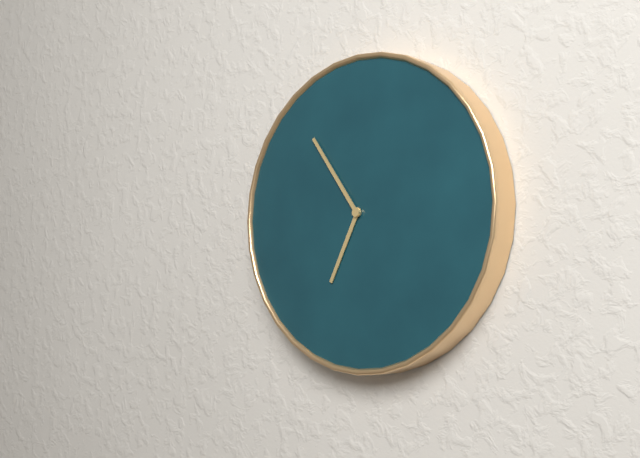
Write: 6,54
